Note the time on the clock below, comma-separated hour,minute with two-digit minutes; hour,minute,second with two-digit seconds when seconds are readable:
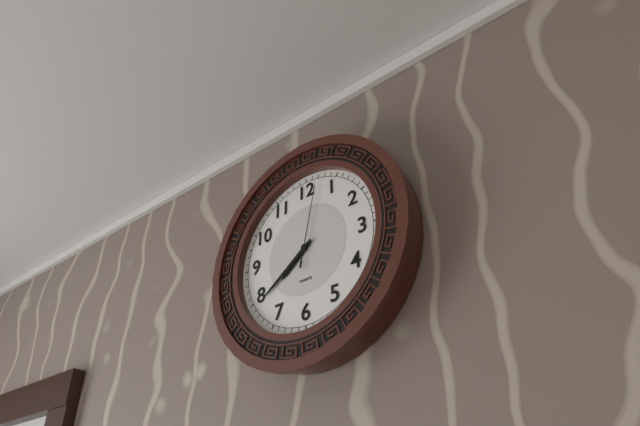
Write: 7,39,02
